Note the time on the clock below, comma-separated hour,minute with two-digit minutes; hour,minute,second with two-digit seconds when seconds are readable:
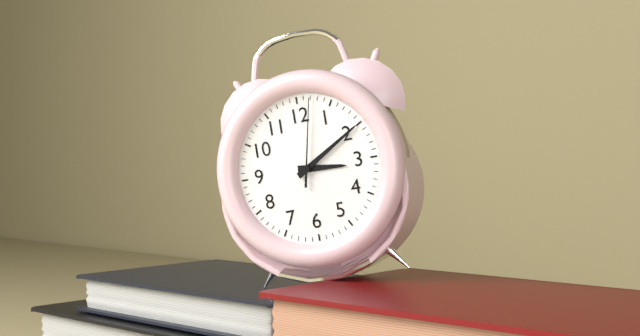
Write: 3,10,02
